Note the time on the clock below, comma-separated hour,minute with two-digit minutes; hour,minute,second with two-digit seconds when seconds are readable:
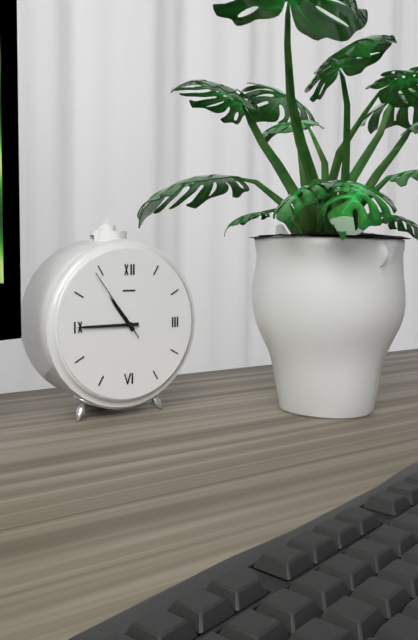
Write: 10,45,54
